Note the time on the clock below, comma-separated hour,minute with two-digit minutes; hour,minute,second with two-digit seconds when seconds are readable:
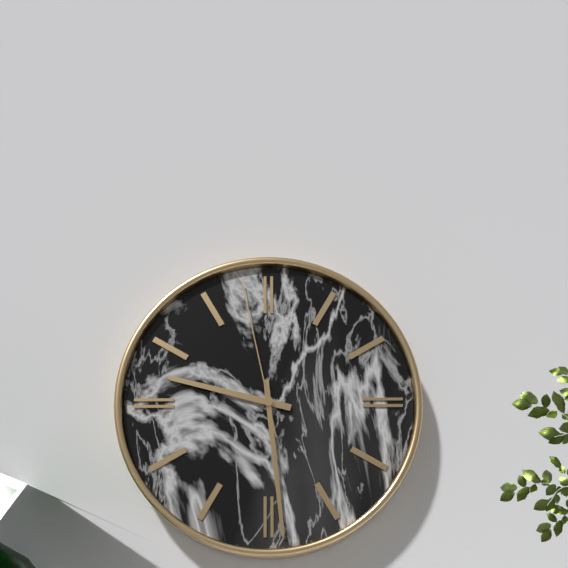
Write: 9,29,58
